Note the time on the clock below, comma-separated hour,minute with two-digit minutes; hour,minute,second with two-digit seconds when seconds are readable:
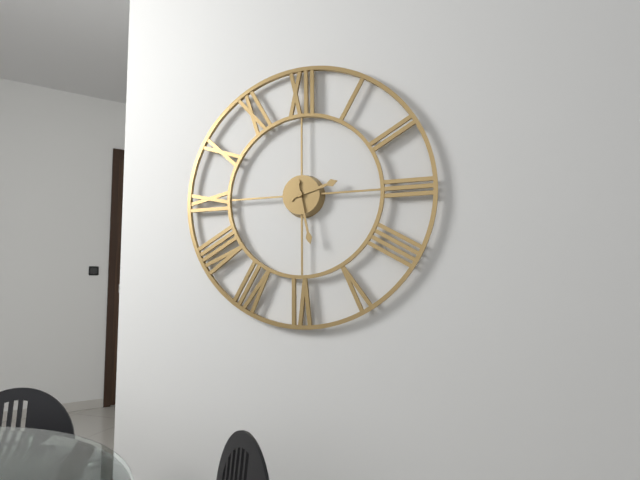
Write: 2,28
